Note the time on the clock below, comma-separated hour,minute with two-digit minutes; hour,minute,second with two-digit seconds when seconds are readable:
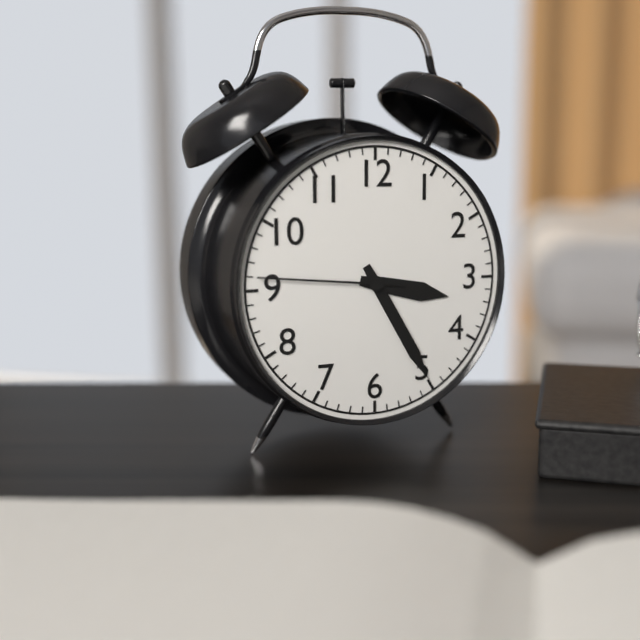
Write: 3,25,46
